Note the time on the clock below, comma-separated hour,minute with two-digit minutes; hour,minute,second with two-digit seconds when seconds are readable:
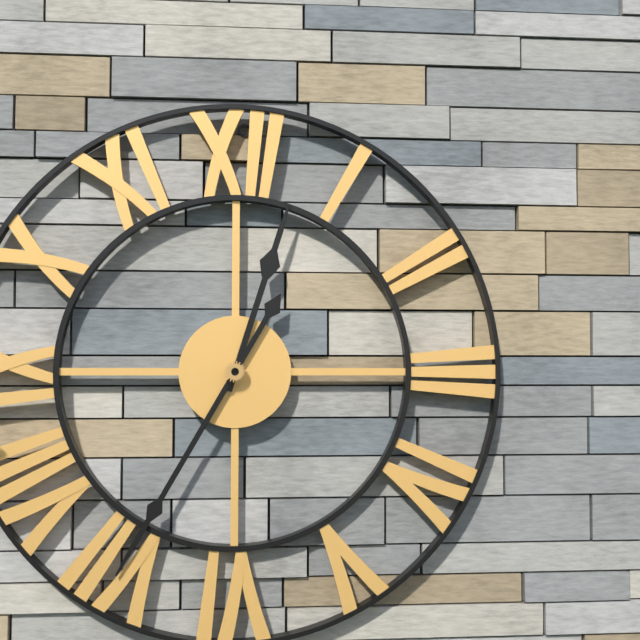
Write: 12,35
